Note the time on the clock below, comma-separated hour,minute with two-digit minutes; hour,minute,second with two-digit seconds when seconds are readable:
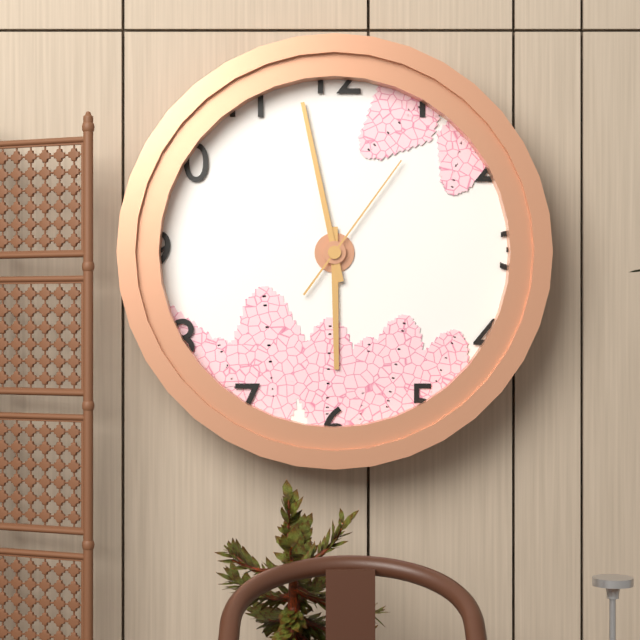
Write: 5,58,06
